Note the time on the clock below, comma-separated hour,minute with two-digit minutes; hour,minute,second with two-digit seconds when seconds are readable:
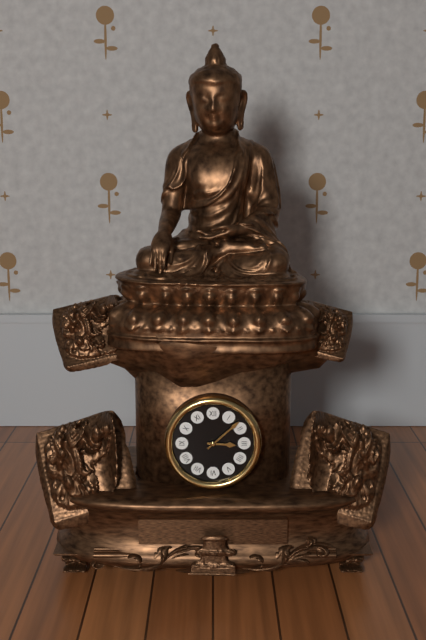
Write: 3,08
